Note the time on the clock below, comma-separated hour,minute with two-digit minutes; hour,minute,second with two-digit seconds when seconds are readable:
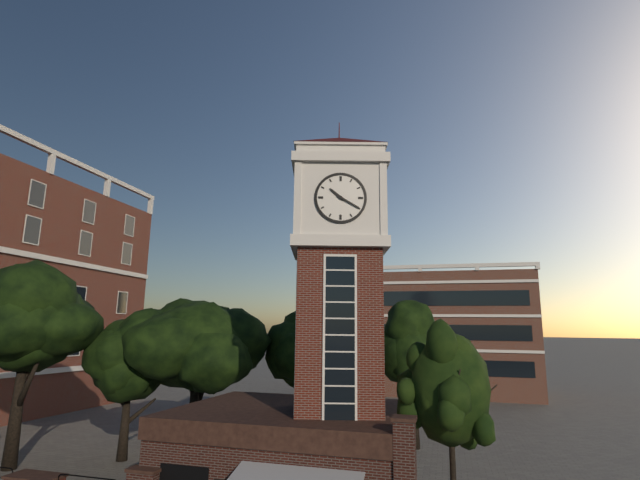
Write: 10,20
